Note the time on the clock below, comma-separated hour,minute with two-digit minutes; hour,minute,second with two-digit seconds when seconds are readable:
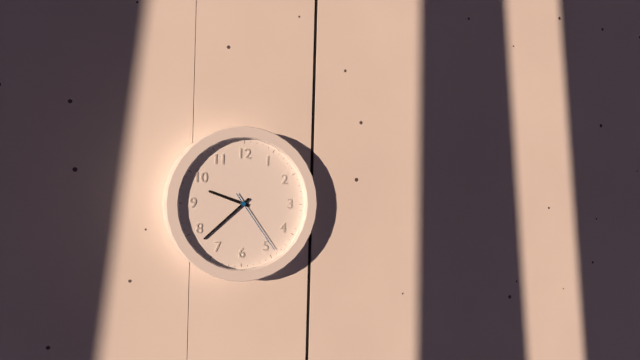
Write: 9,38,24
